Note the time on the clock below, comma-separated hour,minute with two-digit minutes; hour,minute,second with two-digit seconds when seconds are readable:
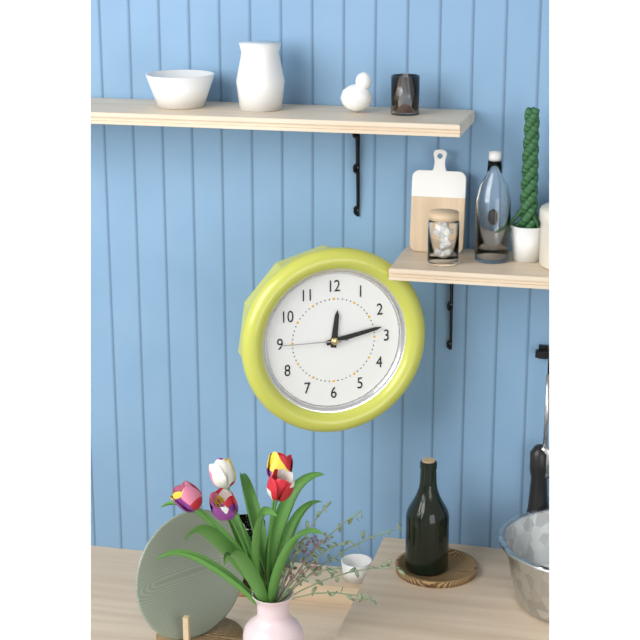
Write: 12,13,45
